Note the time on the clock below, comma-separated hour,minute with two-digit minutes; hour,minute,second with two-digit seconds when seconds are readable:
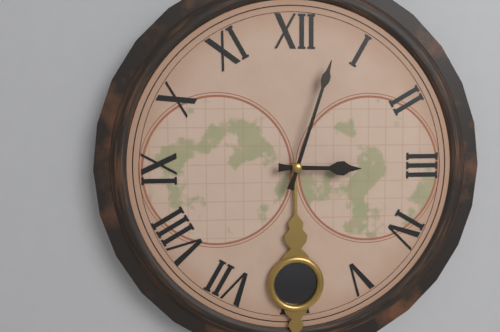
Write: 3,03
